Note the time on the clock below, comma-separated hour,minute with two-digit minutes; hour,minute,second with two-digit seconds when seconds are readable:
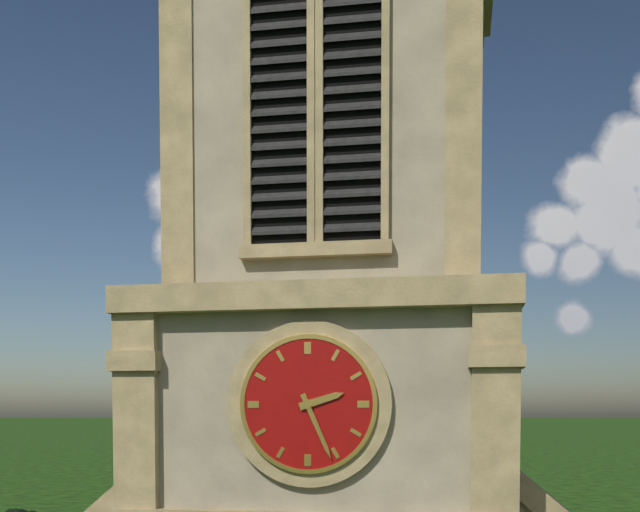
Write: 2,26
